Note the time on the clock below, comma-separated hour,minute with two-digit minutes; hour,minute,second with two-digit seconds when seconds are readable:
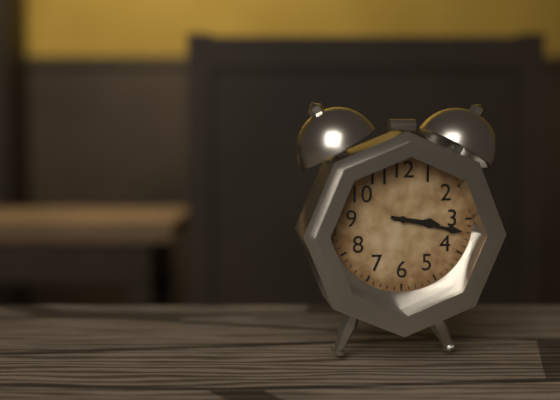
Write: 3,17
